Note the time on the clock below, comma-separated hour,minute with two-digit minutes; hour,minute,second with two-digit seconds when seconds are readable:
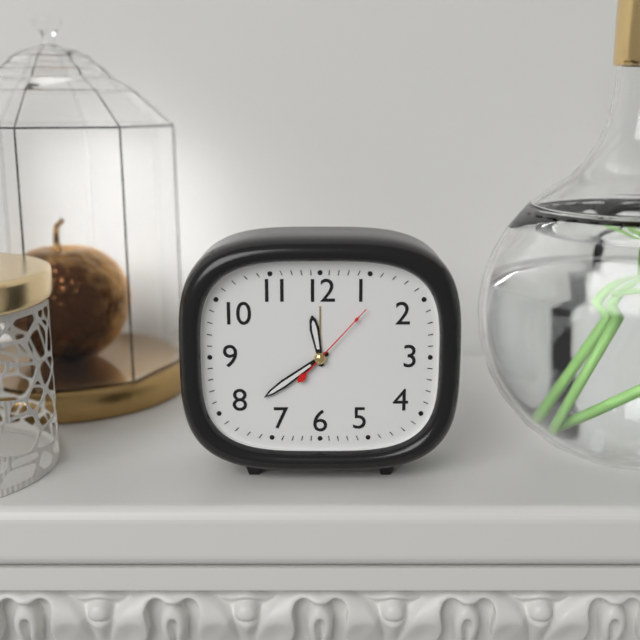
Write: 11,39,07
